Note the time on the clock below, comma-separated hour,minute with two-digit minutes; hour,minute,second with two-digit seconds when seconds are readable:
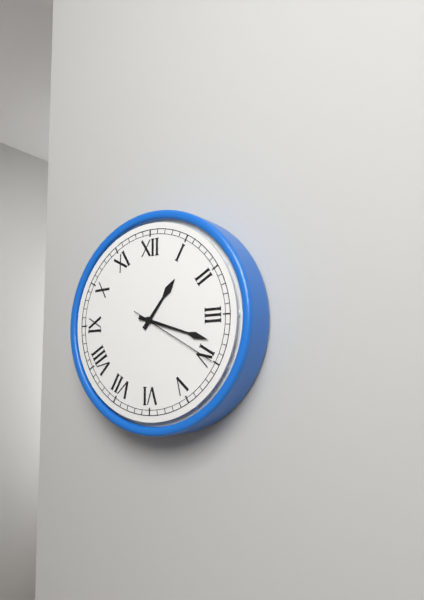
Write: 1,18,20
